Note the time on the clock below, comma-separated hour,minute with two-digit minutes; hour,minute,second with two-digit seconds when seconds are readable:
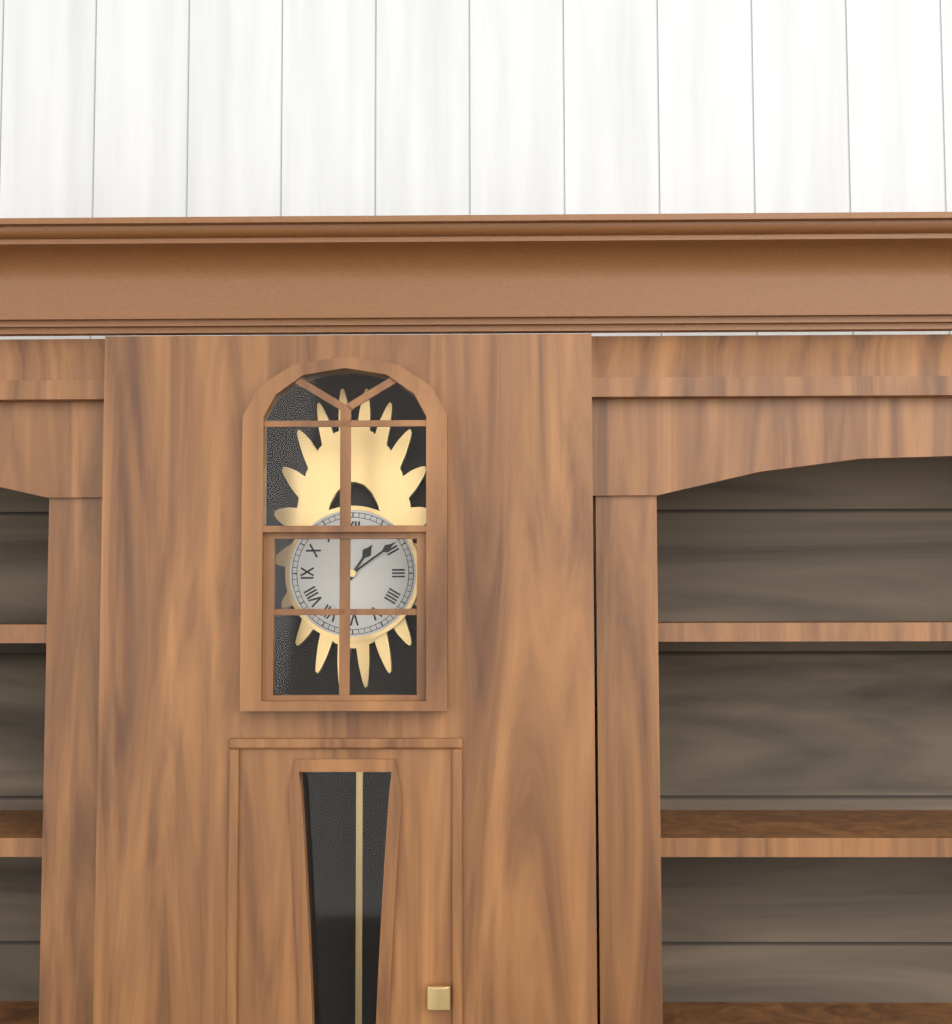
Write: 1,09
